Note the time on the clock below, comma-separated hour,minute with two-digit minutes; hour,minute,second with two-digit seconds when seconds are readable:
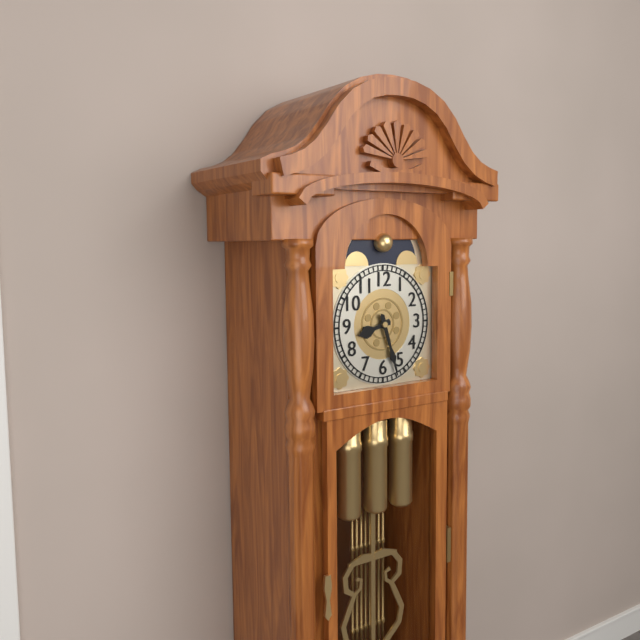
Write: 8,27
